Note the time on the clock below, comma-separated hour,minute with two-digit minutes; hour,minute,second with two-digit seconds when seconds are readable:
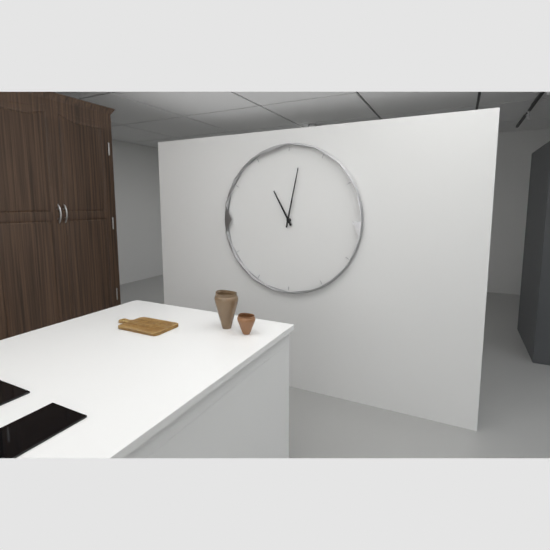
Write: 11,02
